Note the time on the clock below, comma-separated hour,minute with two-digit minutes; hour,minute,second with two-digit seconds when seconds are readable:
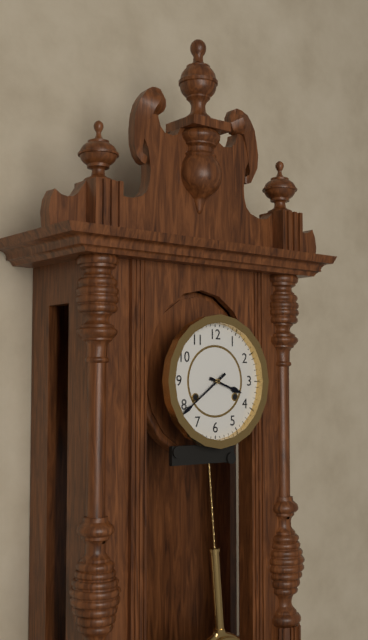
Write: 3,39
